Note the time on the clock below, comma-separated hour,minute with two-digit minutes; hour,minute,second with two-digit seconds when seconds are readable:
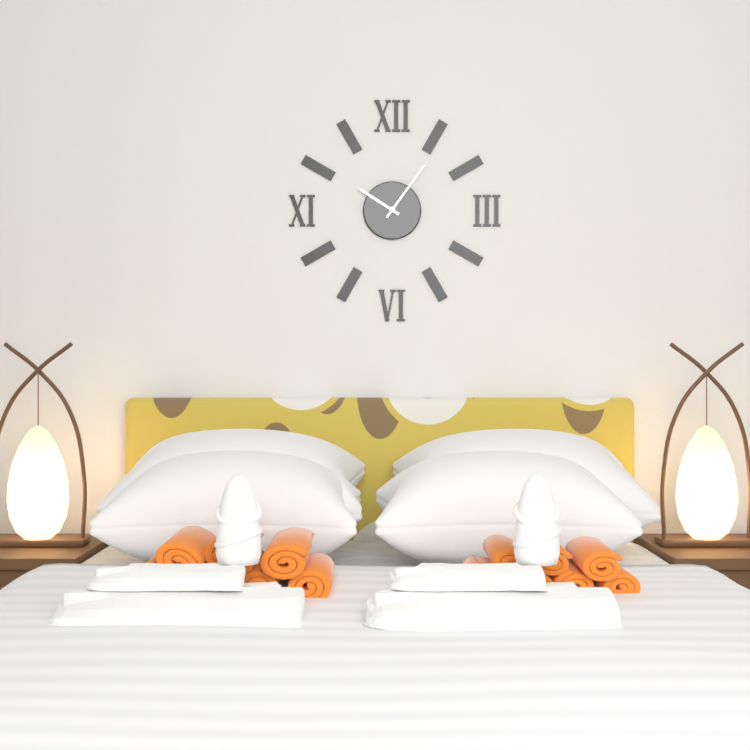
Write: 10,06
